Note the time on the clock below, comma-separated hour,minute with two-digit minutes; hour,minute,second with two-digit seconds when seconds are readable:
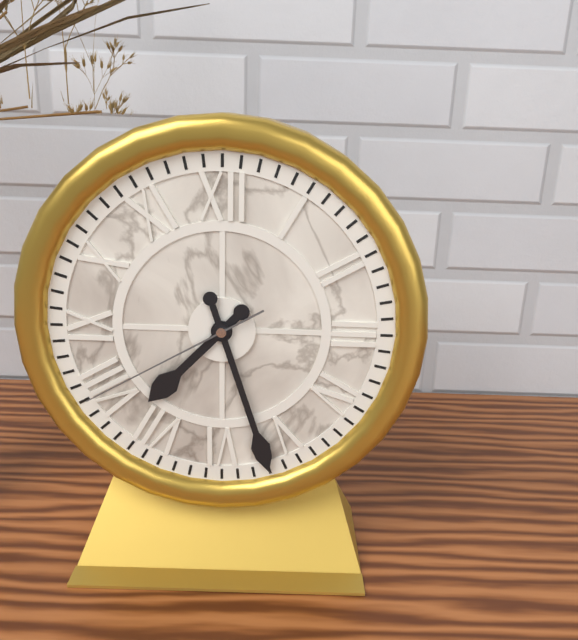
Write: 7,27,40
